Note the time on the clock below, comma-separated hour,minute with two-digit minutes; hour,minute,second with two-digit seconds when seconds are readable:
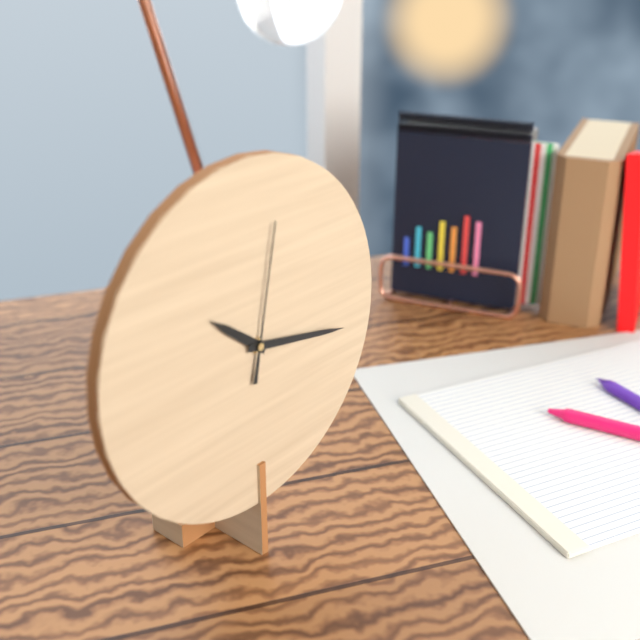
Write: 10,17,02
